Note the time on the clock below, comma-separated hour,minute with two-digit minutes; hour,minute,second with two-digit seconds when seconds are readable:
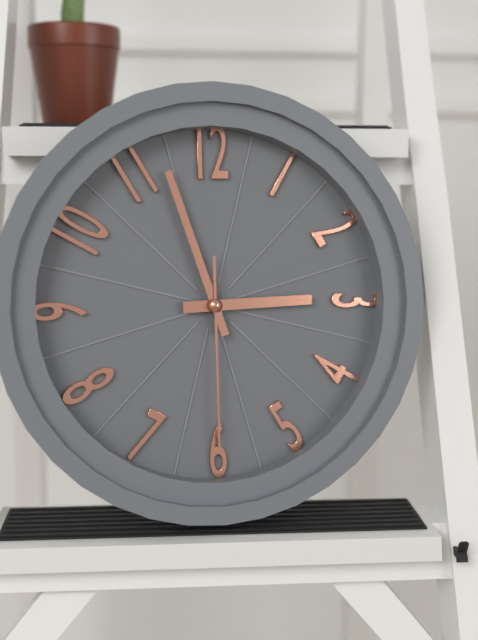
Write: 2,57,30
